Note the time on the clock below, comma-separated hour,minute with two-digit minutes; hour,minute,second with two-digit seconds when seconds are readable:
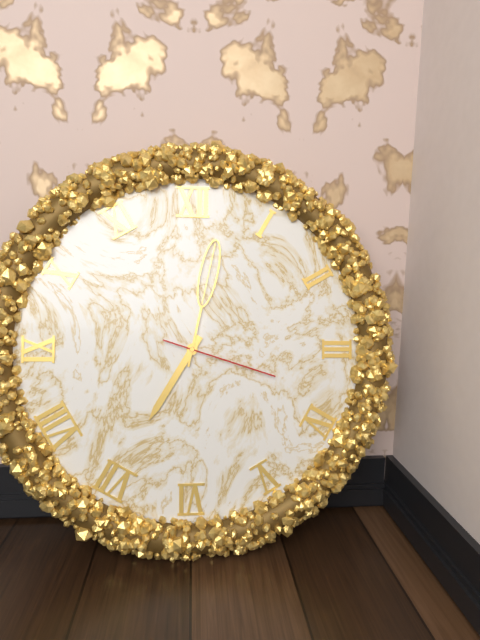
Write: 7,02,18
